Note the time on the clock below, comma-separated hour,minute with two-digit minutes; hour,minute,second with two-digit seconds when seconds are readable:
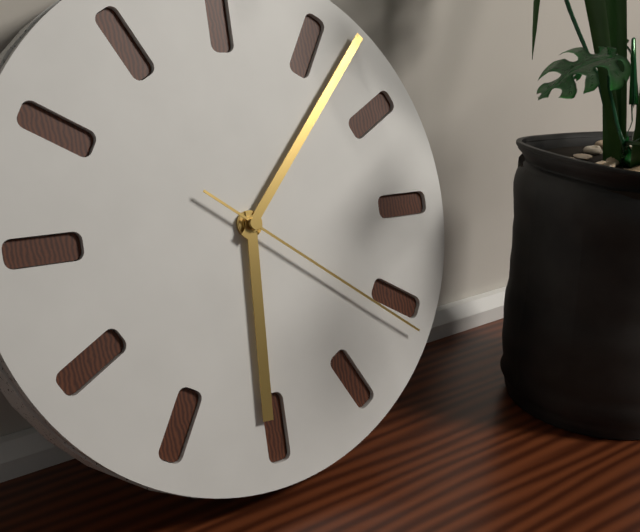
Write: 6,07,21
